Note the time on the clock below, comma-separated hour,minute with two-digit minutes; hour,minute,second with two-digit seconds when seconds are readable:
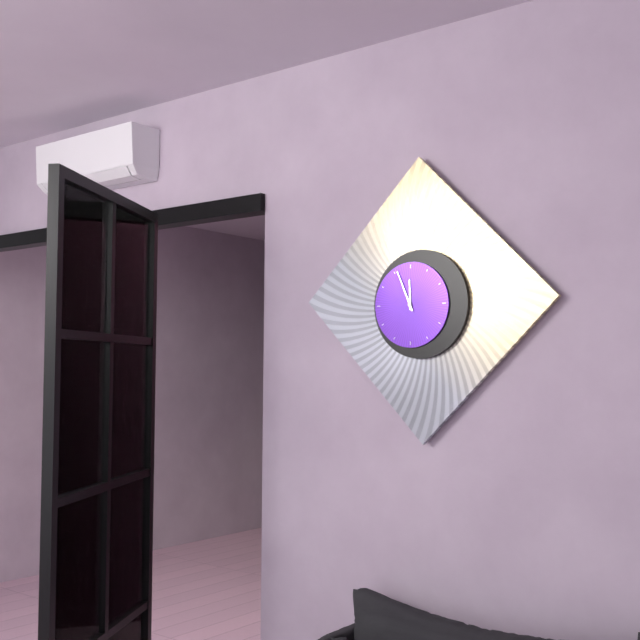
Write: 11,56
